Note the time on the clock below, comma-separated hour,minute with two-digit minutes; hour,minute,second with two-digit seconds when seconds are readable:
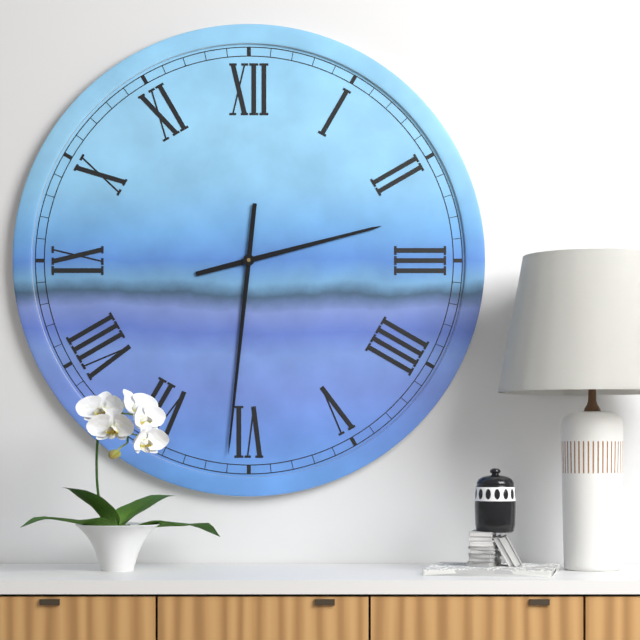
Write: 2,31
